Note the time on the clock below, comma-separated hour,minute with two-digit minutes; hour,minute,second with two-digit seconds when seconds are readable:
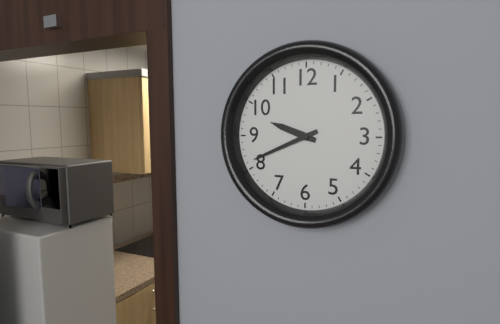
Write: 9,41
